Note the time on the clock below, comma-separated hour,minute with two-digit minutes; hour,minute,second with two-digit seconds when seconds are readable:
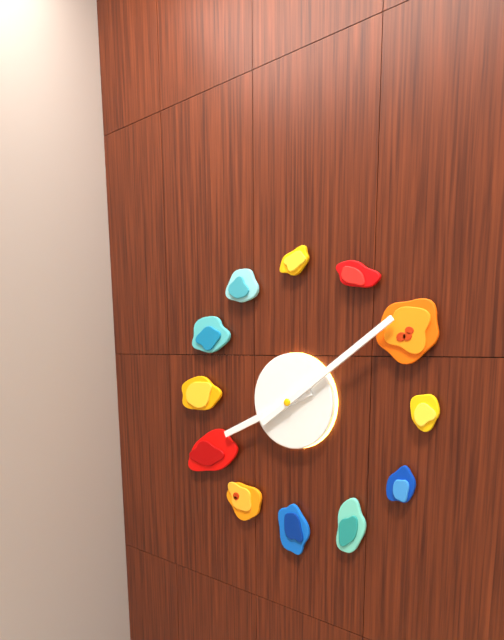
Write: 8,09
